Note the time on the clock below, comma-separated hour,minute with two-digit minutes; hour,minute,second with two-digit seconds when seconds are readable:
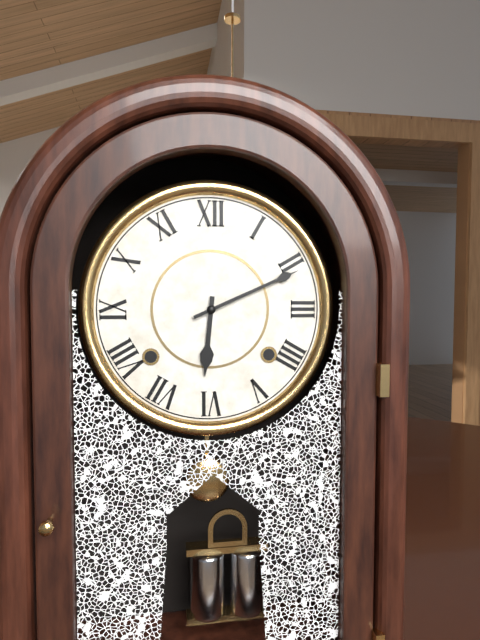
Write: 6,11
